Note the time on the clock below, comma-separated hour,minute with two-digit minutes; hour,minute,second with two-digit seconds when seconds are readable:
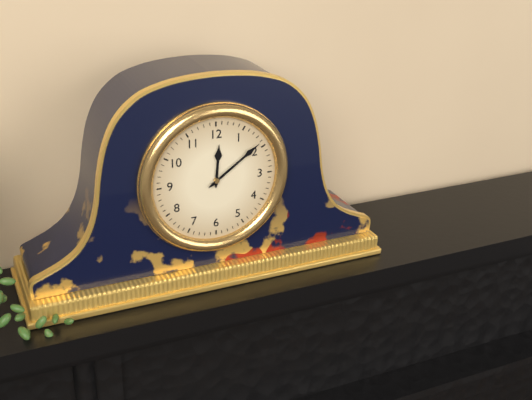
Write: 12,09
